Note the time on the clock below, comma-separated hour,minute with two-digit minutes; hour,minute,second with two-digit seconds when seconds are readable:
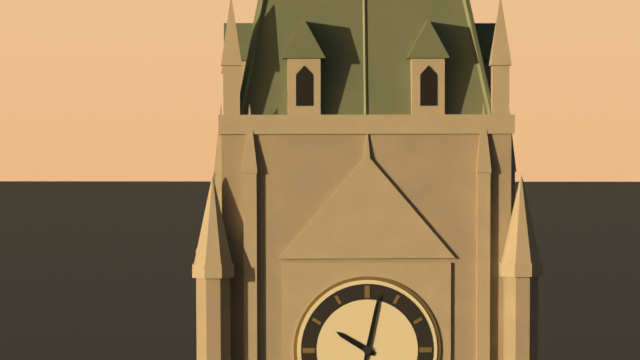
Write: 10,02
